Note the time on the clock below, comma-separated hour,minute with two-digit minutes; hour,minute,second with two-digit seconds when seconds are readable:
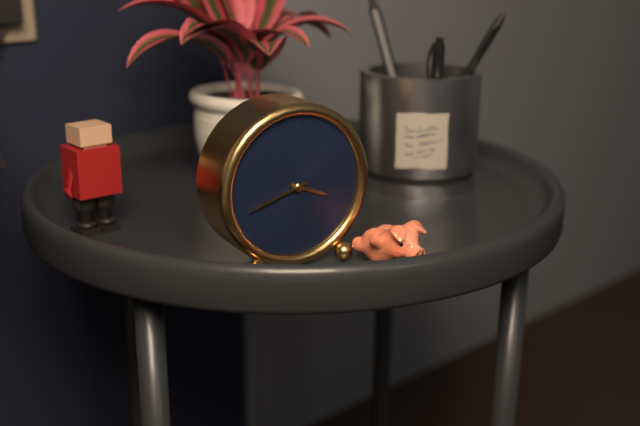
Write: 3,42
